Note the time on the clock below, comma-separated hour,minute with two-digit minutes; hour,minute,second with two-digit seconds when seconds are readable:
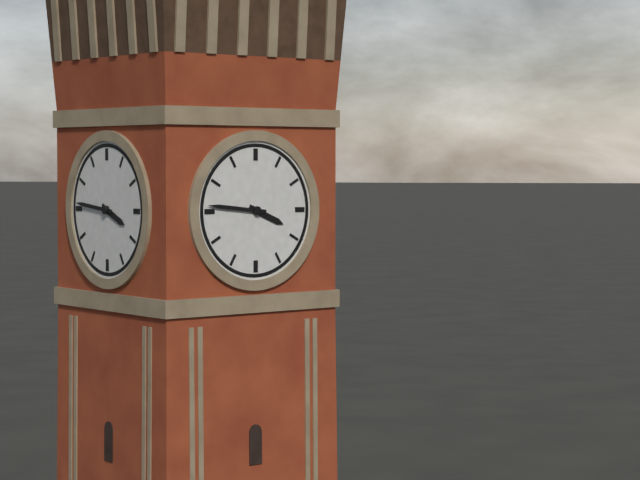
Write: 3,46
